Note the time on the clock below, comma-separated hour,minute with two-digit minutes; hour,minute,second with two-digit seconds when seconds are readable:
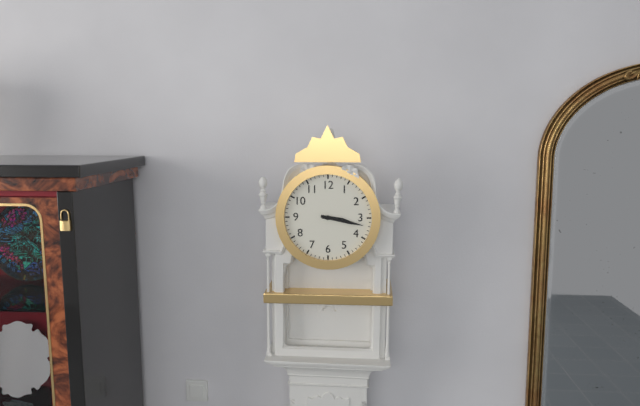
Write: 3,17
